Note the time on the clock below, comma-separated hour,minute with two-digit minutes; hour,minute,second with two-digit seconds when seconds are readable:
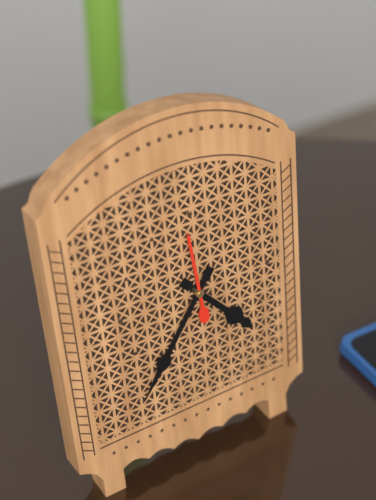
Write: 4,36,59
